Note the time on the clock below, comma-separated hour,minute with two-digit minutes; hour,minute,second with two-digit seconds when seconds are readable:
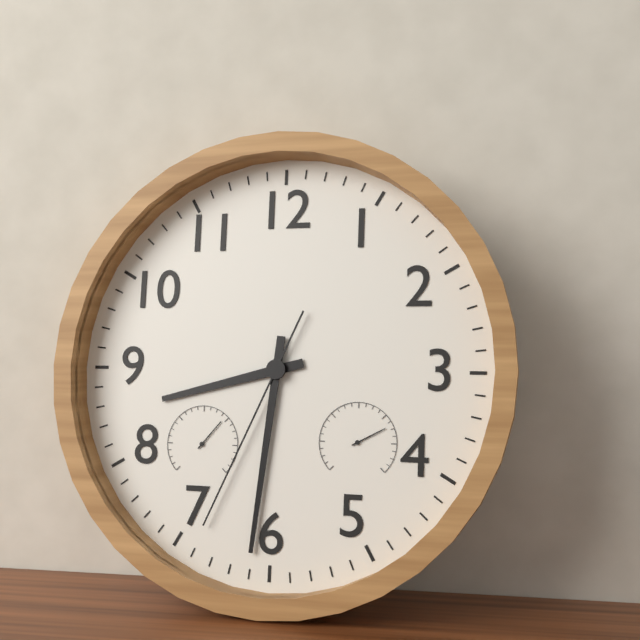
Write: 8,31,34
